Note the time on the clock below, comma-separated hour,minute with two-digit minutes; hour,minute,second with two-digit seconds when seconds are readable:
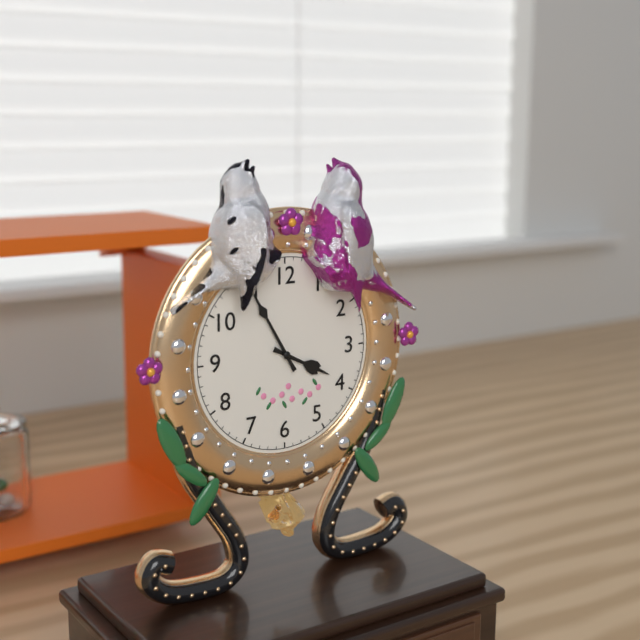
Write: 3,55
